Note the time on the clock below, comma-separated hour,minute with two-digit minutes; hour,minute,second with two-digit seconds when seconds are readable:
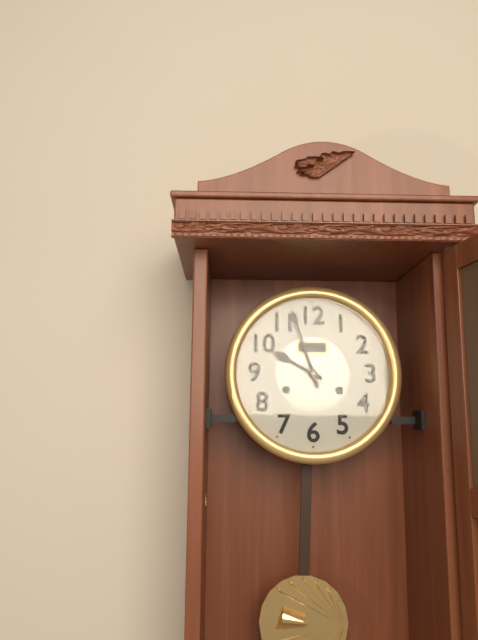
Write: 9,57
